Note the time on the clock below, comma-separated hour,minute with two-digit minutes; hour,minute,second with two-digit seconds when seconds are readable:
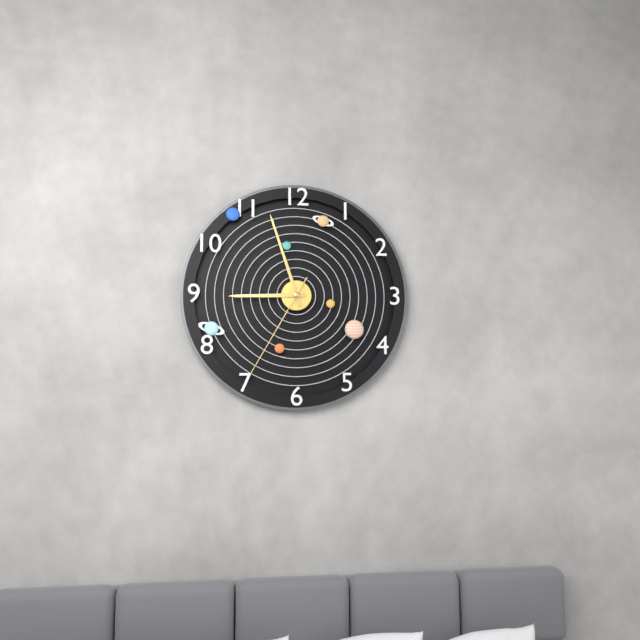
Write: 8,57,35
